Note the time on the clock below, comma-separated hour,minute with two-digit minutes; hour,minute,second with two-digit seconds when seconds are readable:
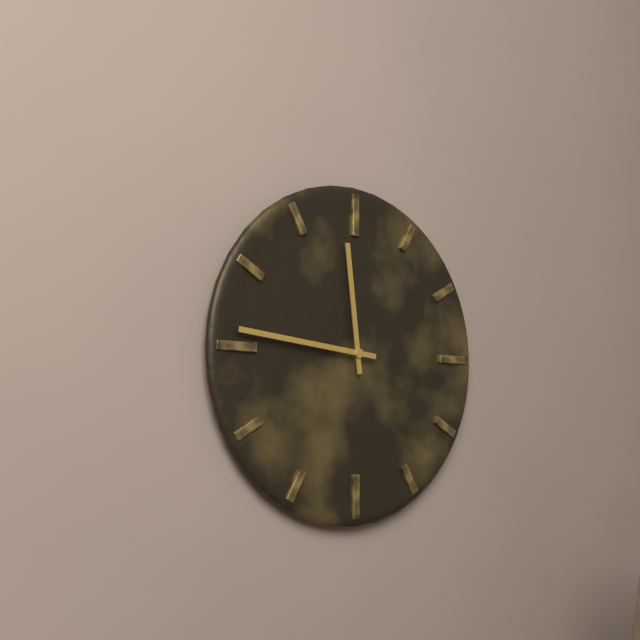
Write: 11,46
